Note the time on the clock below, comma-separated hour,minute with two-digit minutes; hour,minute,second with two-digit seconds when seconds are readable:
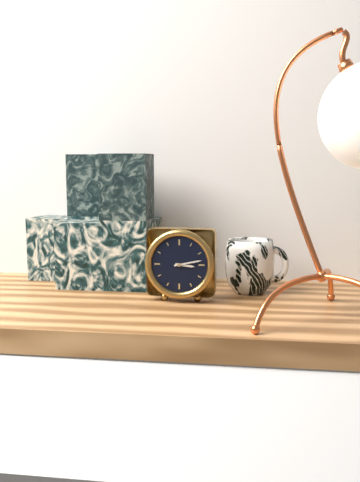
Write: 3,13
